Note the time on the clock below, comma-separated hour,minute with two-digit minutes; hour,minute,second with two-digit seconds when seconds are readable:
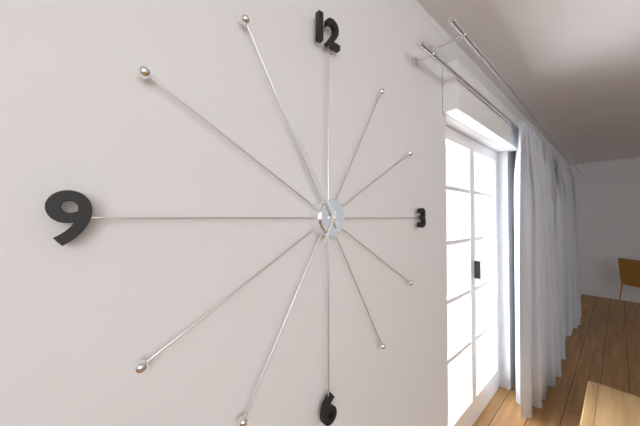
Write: 6,55
